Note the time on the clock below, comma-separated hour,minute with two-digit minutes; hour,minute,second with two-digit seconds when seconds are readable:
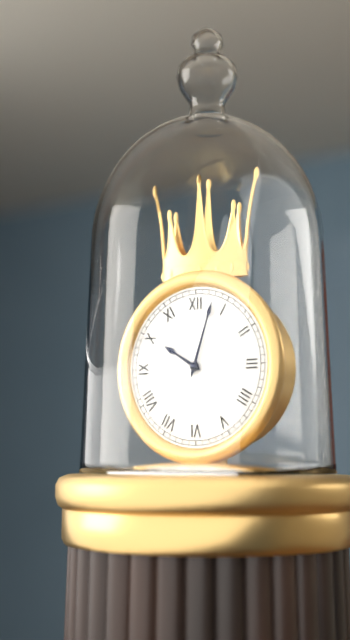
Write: 10,03
